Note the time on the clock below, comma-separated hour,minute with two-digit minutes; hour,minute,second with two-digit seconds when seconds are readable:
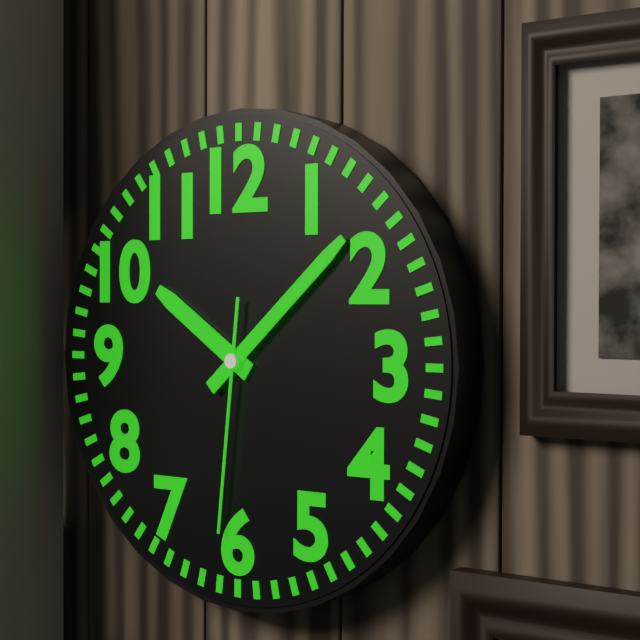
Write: 10,08,31
